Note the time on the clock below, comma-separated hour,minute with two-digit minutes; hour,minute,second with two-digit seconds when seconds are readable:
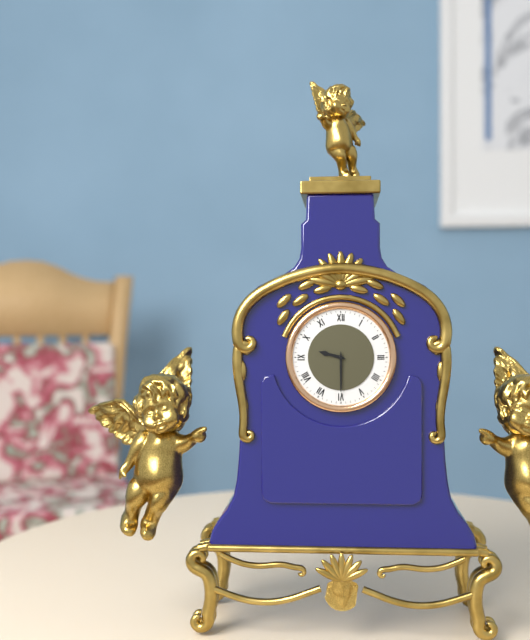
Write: 9,30
